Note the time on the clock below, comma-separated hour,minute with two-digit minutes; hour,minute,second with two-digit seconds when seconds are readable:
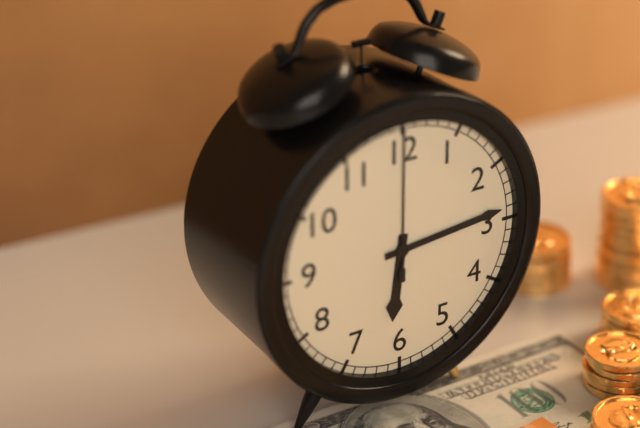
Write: 6,14,00
